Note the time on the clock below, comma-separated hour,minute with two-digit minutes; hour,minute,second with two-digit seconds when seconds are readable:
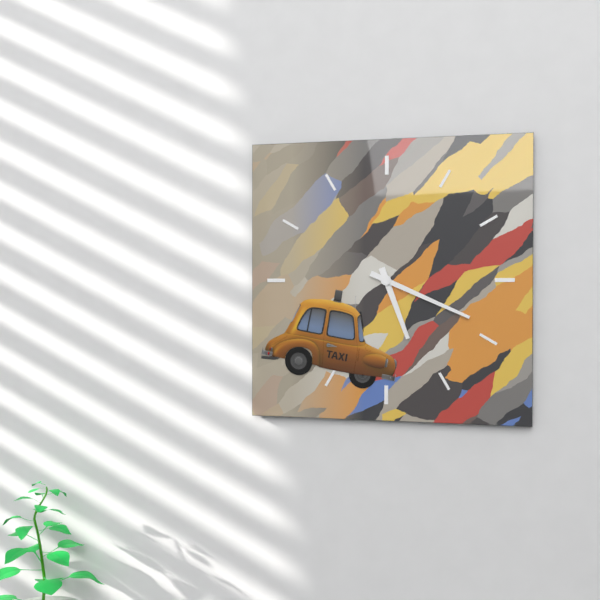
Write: 5,19
